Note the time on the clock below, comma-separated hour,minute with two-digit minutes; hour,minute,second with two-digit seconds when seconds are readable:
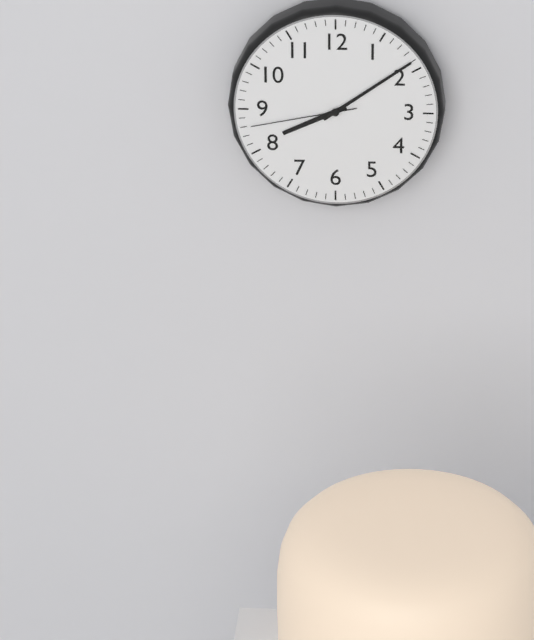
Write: 8,09,43
